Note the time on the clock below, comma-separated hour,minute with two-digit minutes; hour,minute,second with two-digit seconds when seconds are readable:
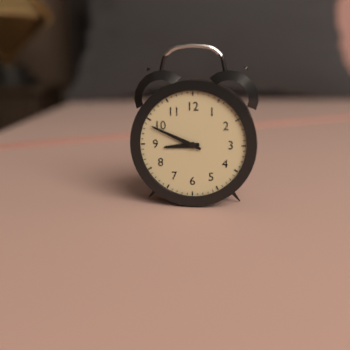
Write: 8,49
